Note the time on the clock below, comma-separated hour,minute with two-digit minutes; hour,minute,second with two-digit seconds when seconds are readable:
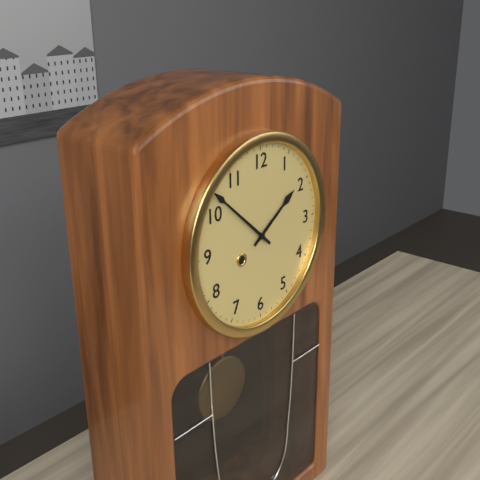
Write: 1,52
